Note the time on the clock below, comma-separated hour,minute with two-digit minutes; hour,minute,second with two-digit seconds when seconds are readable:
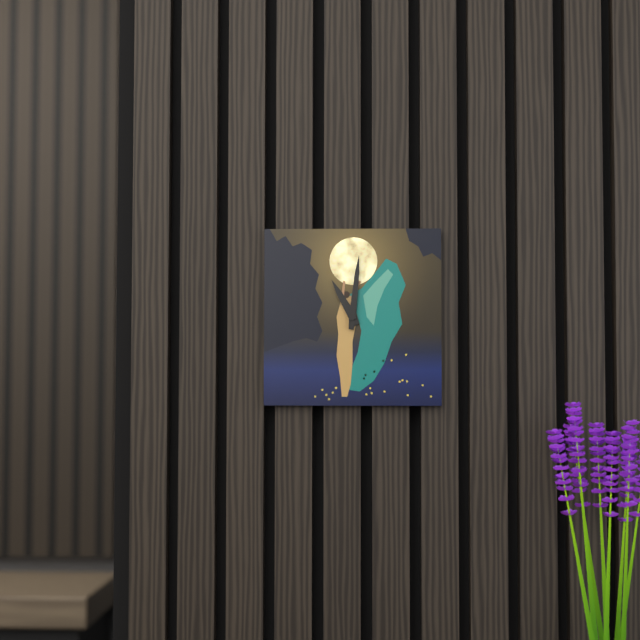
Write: 11,01
